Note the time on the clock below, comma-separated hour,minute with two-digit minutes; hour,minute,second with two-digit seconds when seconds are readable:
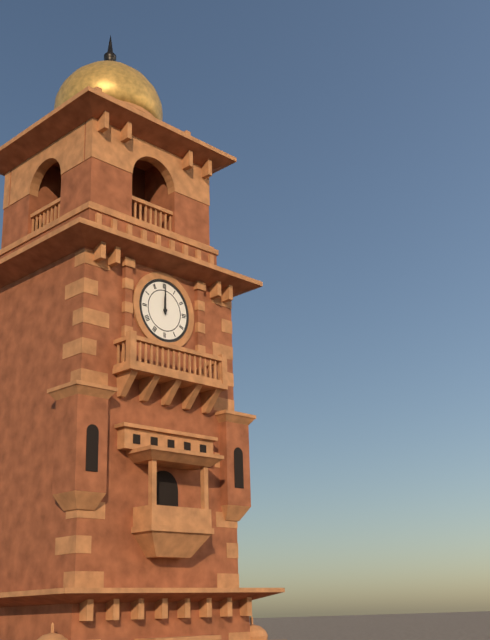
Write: 12,00
